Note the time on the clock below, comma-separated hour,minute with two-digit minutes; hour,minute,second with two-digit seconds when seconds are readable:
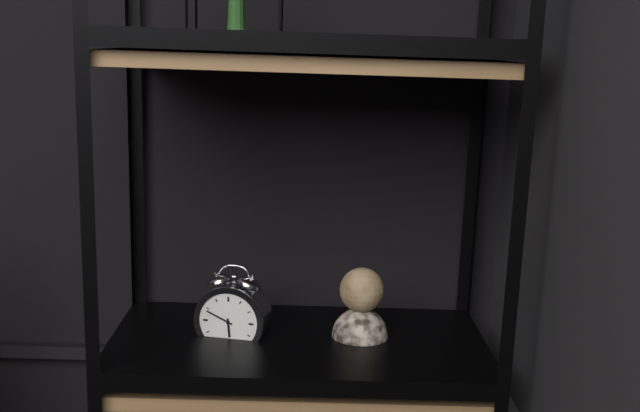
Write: 5,49
